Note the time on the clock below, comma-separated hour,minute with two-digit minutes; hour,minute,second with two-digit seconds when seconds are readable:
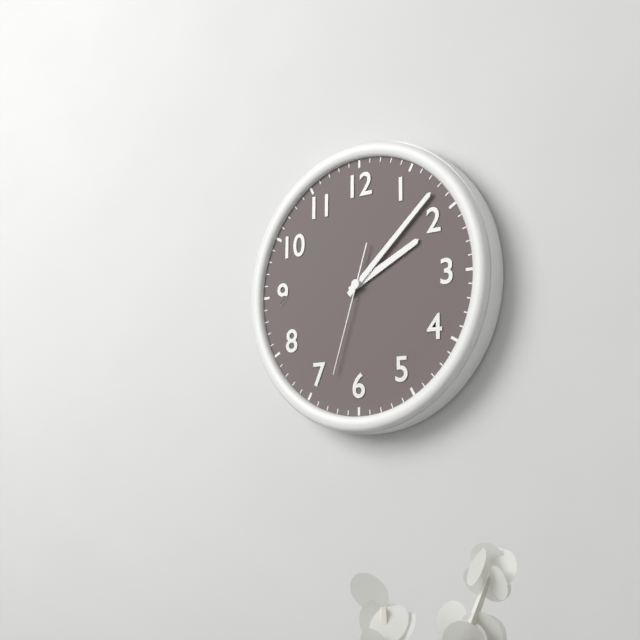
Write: 2,08,33
